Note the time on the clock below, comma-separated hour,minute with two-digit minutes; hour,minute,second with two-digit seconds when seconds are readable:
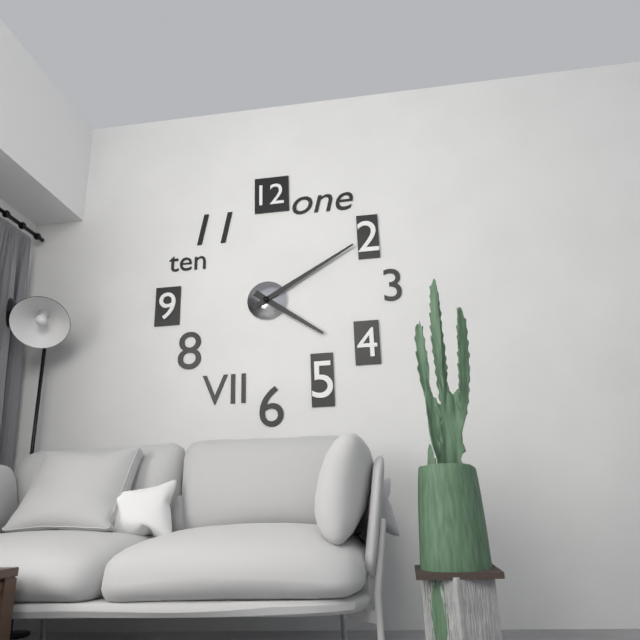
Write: 4,10
